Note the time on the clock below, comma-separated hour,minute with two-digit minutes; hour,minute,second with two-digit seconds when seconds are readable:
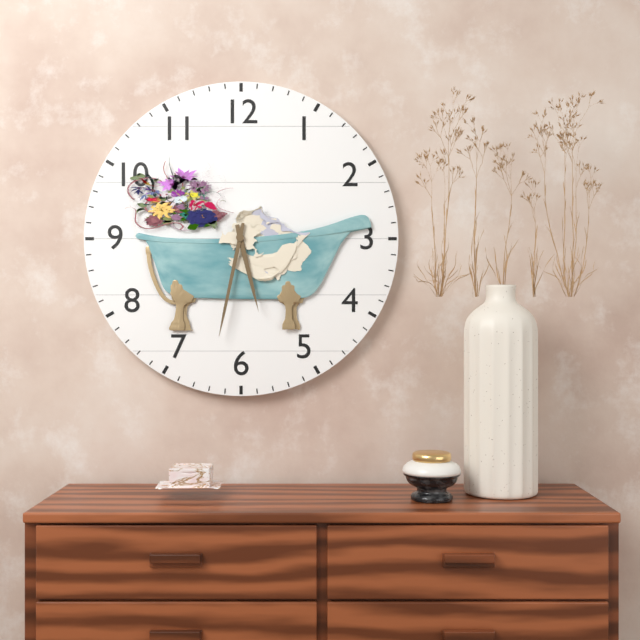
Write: 5,32
